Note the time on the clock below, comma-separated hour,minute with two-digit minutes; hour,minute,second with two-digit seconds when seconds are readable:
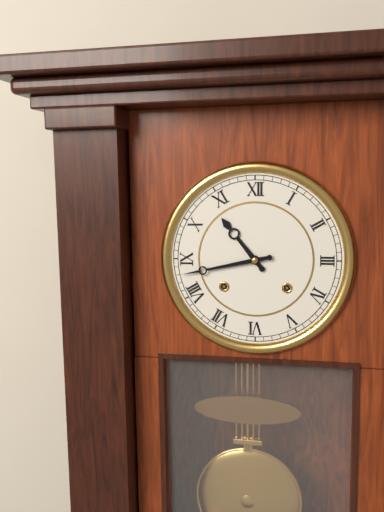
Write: 10,43
